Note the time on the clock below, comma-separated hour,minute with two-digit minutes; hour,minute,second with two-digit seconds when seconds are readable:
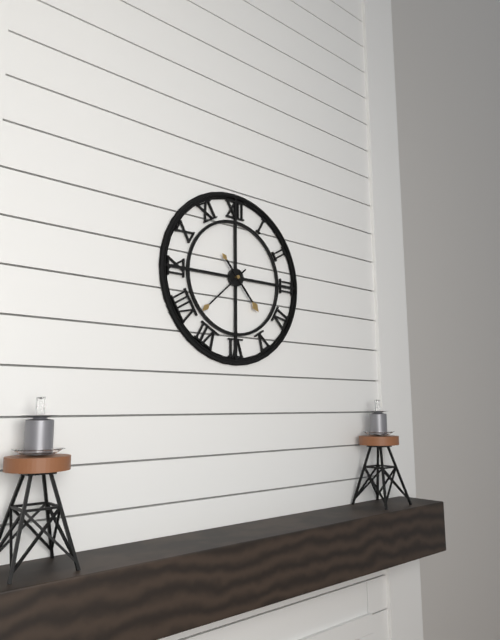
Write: 4,38
